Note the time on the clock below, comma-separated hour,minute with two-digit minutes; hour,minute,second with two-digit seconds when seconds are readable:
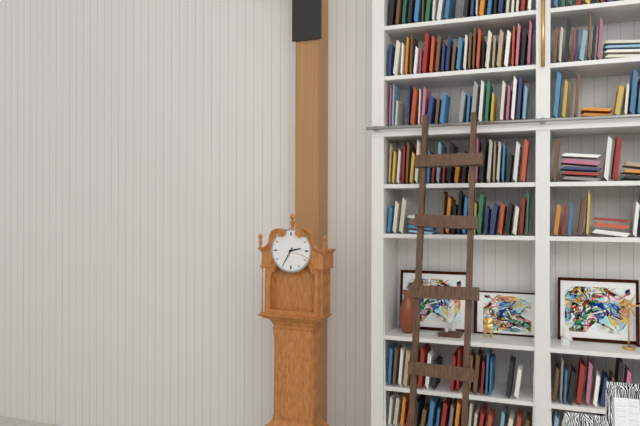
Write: 2,35
